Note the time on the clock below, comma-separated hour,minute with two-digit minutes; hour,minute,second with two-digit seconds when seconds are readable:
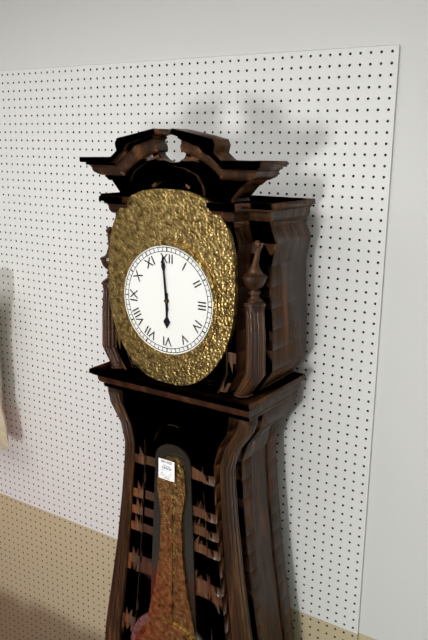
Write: 5,59
